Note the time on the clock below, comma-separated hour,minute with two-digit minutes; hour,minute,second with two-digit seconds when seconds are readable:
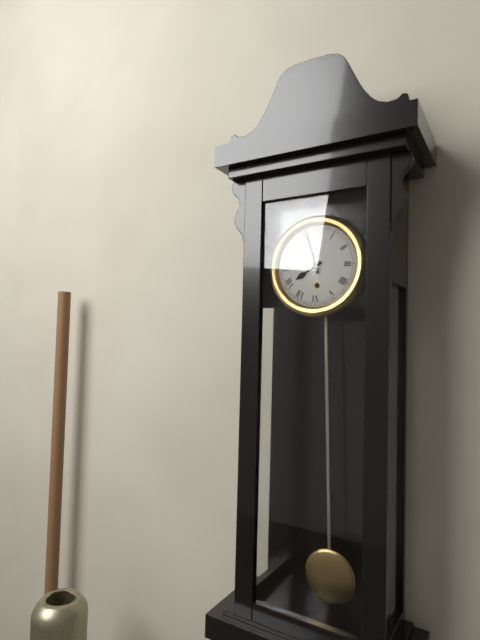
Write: 7,57
